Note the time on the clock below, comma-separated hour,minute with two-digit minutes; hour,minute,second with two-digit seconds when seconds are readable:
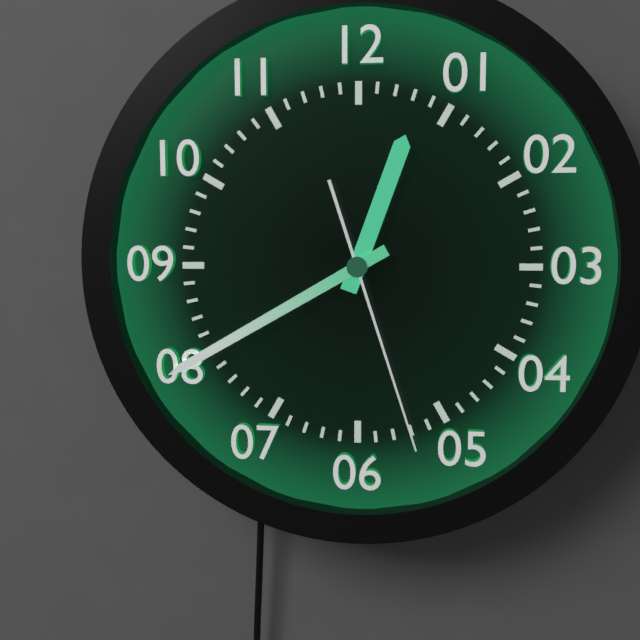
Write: 12,40,27
